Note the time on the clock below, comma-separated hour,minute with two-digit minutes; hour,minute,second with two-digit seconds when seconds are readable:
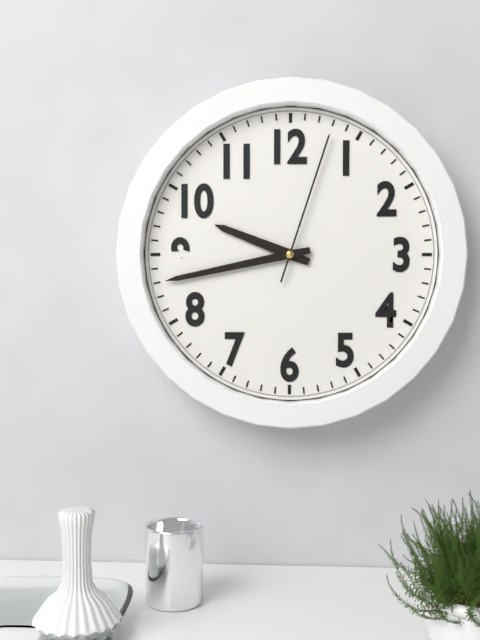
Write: 9,43,03
